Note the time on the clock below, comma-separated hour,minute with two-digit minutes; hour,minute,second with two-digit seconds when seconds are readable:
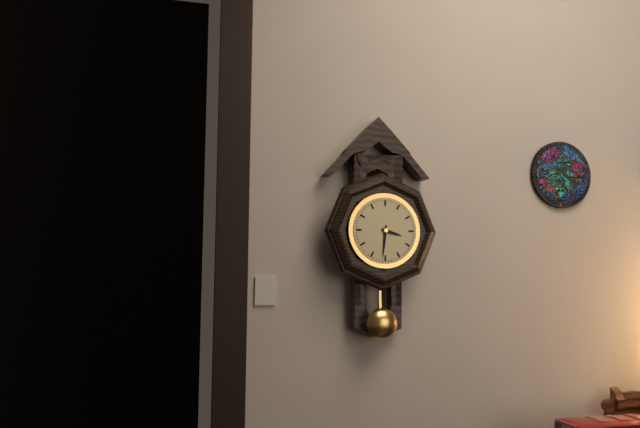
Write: 3,31
